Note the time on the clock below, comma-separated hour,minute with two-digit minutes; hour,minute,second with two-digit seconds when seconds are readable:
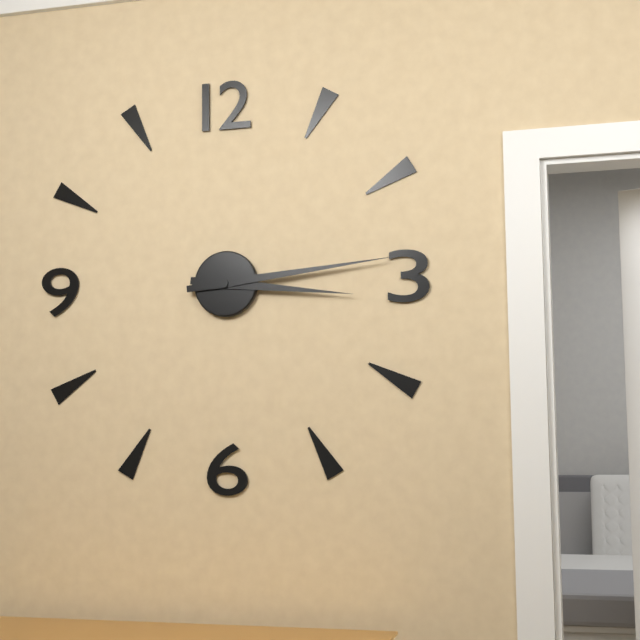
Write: 3,14
